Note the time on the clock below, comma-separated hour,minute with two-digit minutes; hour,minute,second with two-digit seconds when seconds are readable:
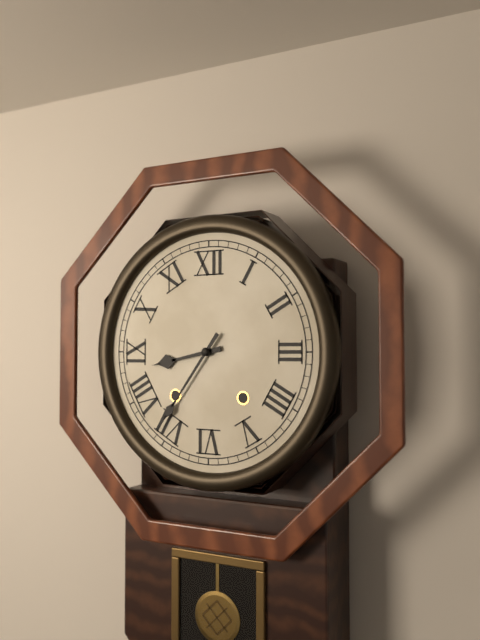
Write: 8,36
